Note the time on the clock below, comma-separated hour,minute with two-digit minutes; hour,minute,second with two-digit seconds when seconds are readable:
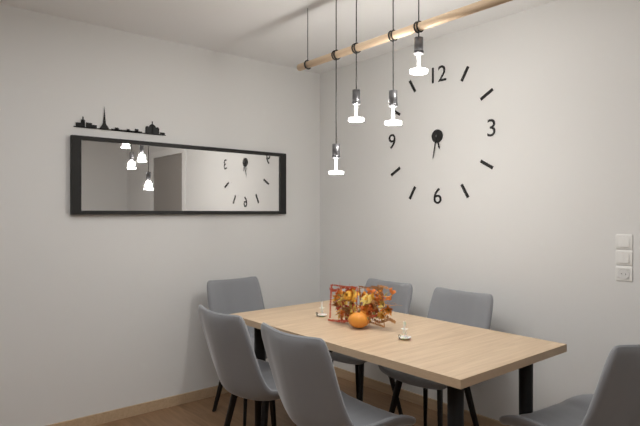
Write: 5,32
